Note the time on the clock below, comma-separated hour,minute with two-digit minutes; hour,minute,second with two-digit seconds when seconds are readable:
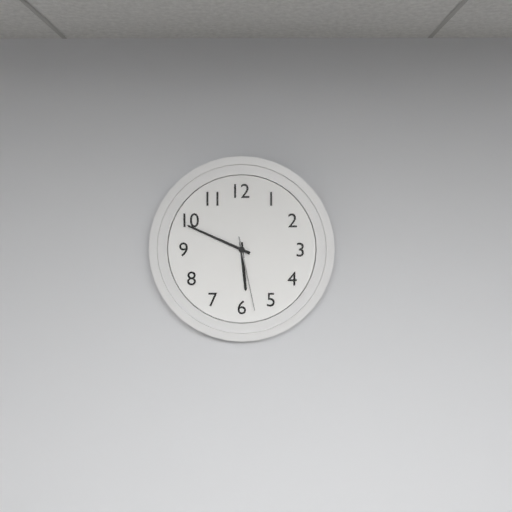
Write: 5,49,28
